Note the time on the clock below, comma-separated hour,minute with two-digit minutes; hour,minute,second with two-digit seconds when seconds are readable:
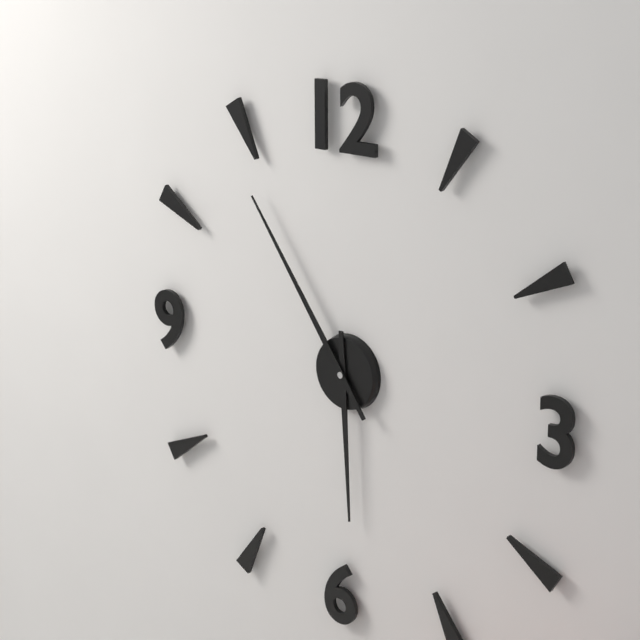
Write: 5,54
